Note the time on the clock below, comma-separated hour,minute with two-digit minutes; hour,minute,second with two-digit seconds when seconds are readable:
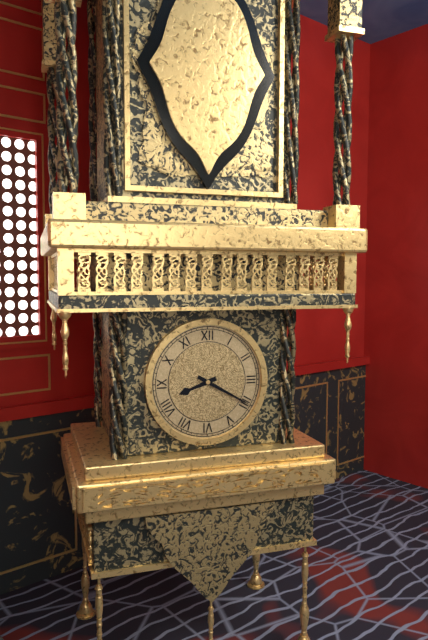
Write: 8,20
